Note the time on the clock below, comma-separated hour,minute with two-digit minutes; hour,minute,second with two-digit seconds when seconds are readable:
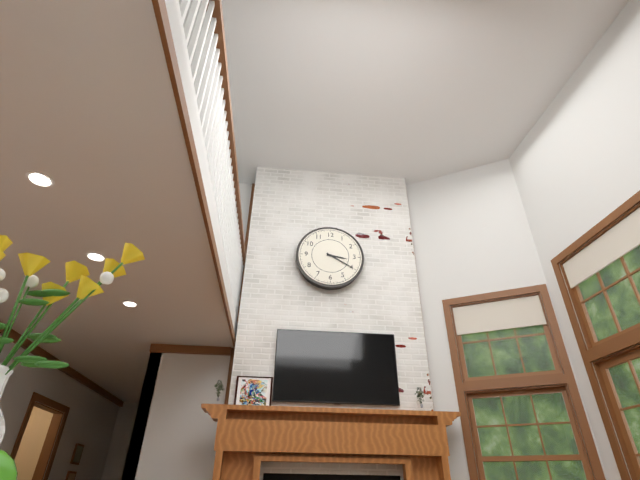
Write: 3,20
